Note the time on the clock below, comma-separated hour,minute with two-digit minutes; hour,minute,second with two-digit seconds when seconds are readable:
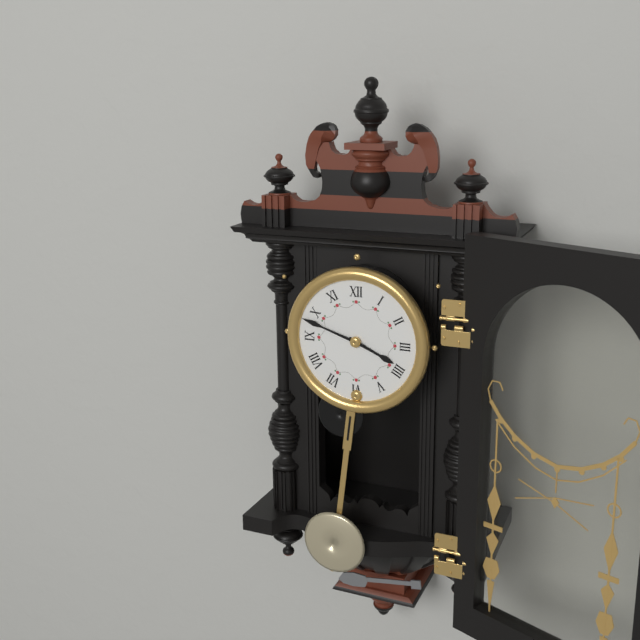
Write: 3,48
